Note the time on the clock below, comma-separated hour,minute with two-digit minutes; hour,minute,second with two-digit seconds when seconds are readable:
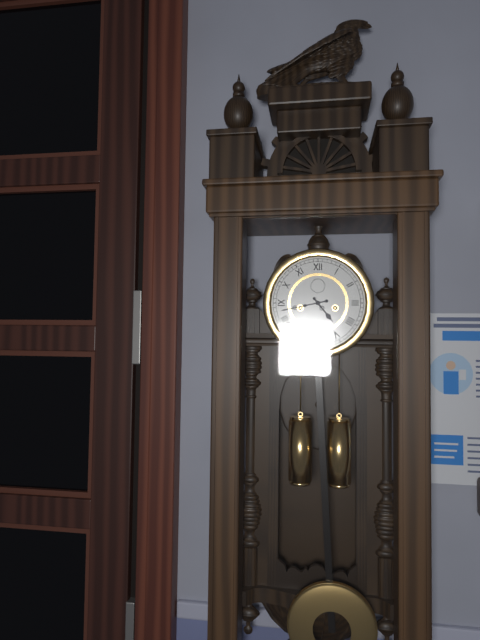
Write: 4,43
